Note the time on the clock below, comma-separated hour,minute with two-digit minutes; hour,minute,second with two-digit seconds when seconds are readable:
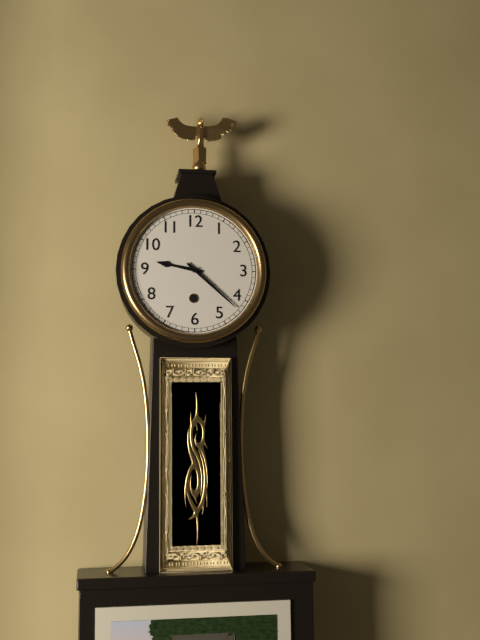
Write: 9,22
